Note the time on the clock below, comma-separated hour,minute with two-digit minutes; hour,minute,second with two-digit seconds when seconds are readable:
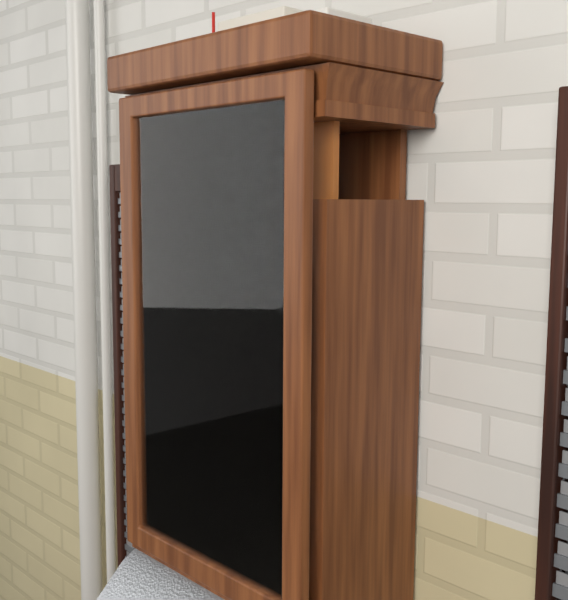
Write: 2,01
